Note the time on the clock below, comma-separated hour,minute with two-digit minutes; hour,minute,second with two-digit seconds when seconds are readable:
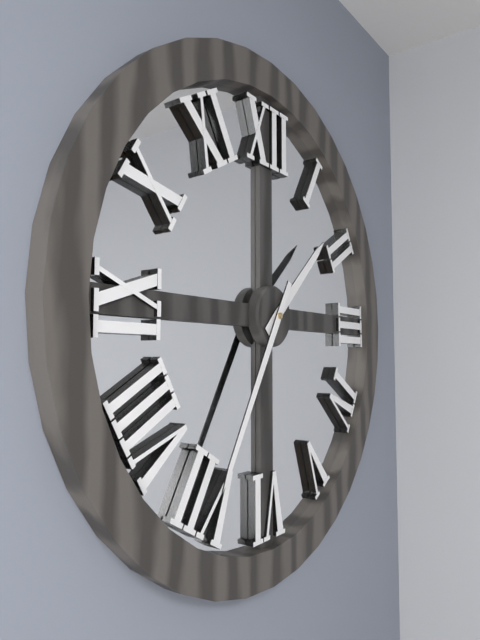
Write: 1,35
